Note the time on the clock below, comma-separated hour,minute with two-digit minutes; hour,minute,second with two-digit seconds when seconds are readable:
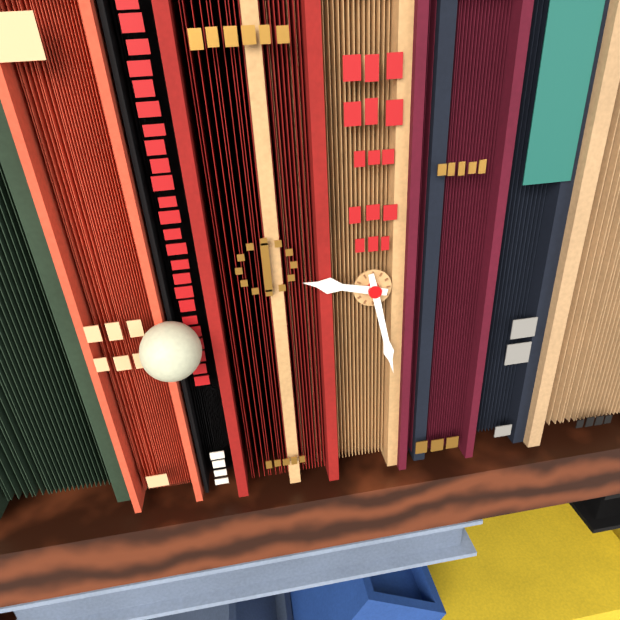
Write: 9,28
